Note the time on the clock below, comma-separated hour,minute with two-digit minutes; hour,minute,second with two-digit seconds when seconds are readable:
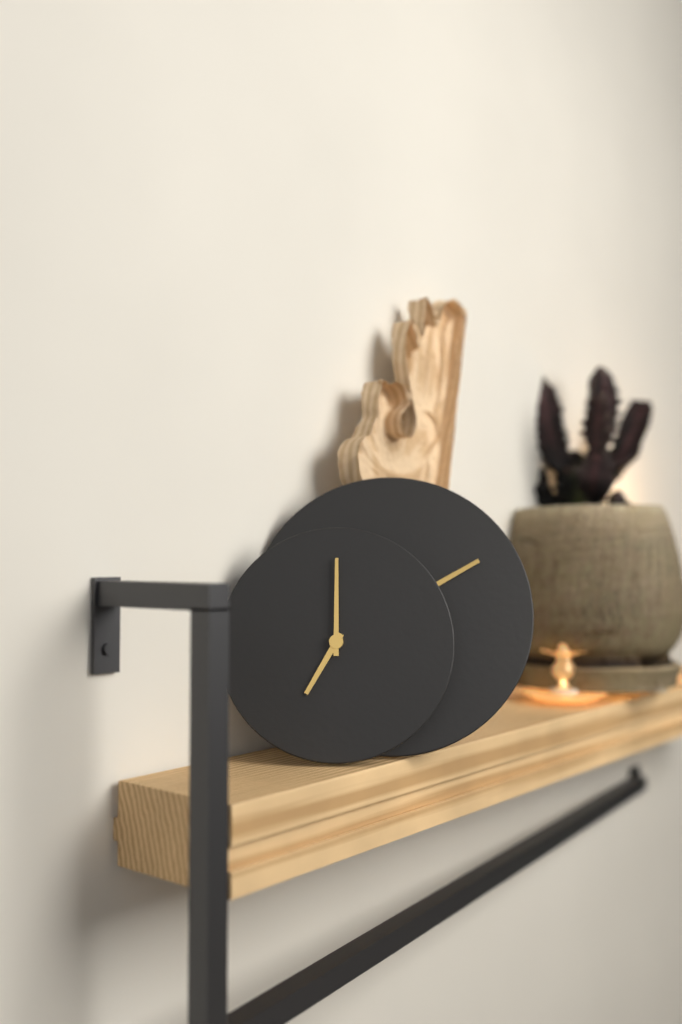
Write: 7,00
